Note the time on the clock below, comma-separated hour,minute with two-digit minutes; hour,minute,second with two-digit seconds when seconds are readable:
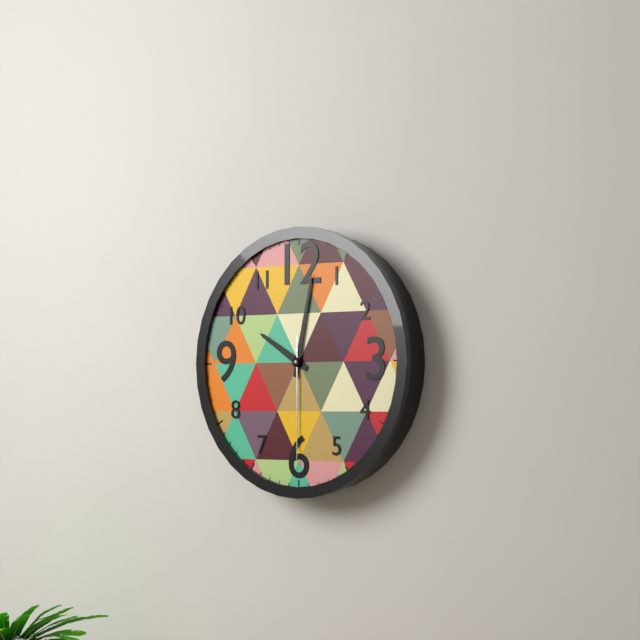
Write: 10,02,30
